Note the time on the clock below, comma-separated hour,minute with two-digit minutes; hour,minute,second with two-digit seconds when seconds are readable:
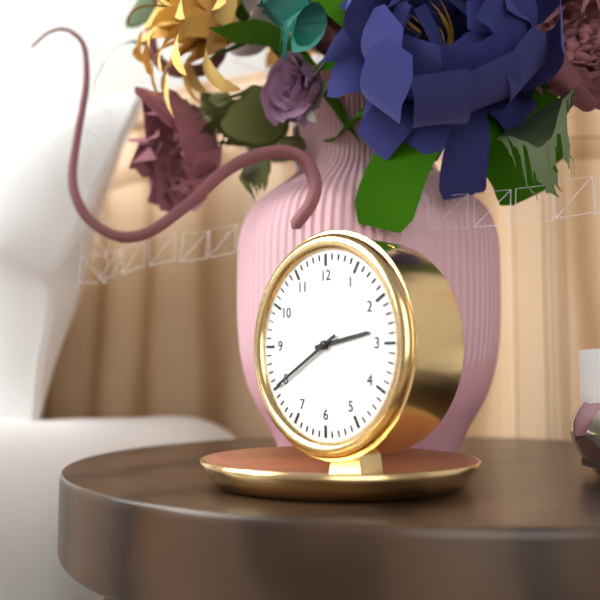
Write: 2,40
